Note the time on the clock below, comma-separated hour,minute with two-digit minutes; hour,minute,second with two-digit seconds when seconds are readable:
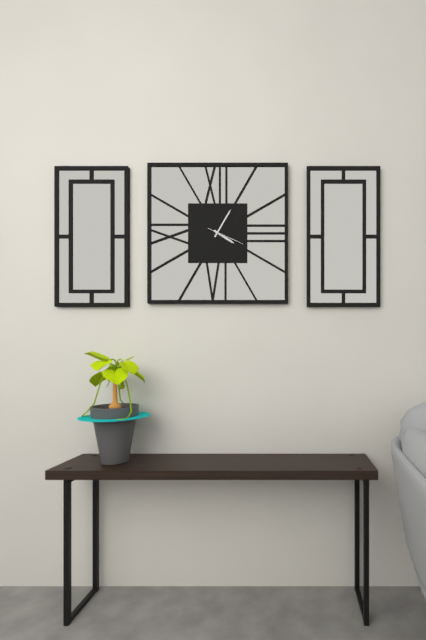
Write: 4,05
